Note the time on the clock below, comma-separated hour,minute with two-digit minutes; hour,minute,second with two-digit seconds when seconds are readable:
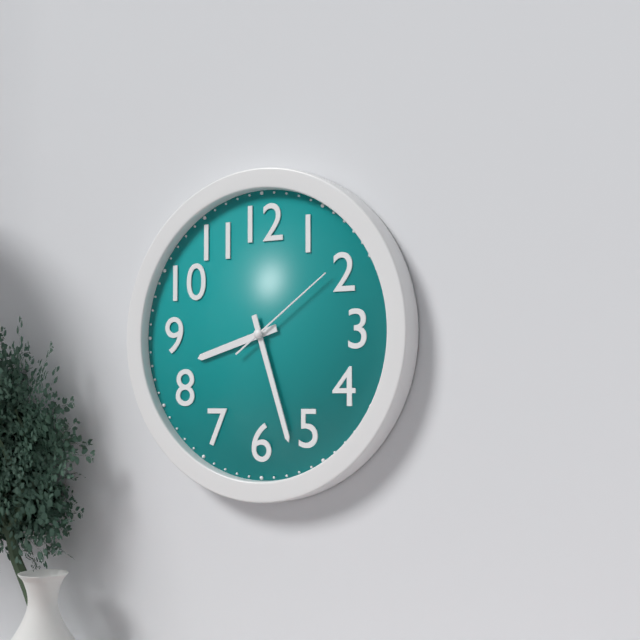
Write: 8,27,09
